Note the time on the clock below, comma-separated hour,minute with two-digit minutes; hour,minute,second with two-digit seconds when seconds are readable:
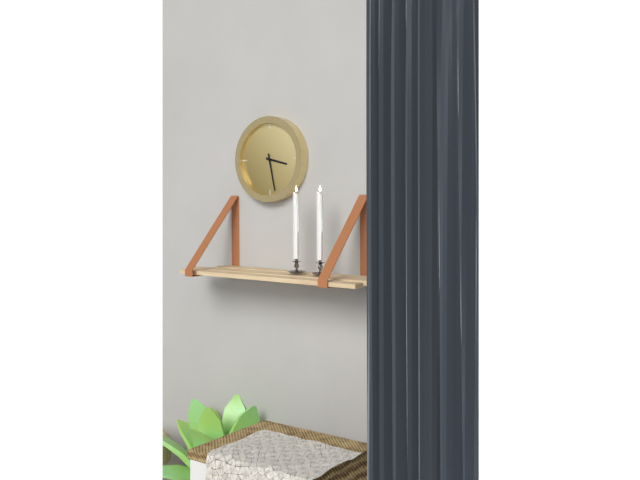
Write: 3,28
